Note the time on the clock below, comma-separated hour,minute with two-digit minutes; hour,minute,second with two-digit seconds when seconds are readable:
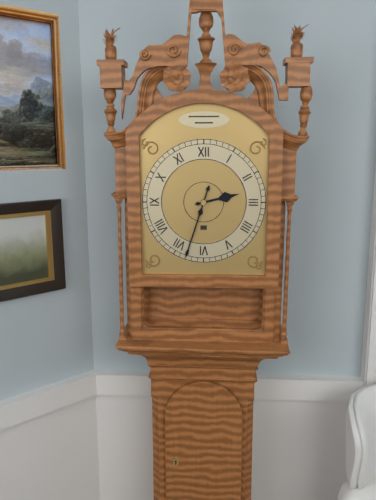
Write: 2,33
